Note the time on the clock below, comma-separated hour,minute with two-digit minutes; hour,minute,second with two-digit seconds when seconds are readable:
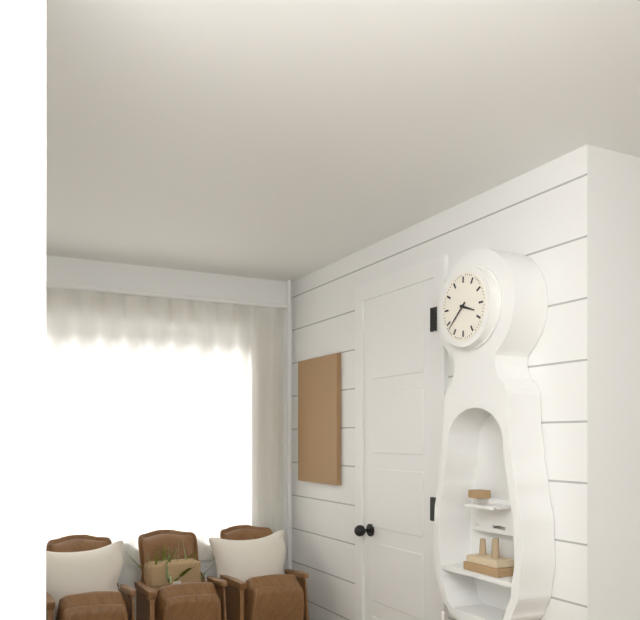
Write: 3,38
